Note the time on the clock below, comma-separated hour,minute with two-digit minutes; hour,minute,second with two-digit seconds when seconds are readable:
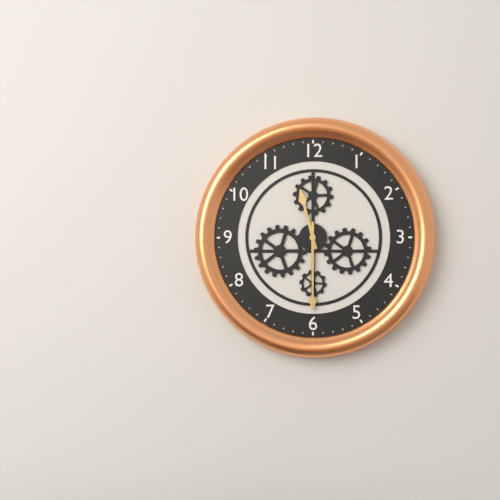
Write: 11,30
